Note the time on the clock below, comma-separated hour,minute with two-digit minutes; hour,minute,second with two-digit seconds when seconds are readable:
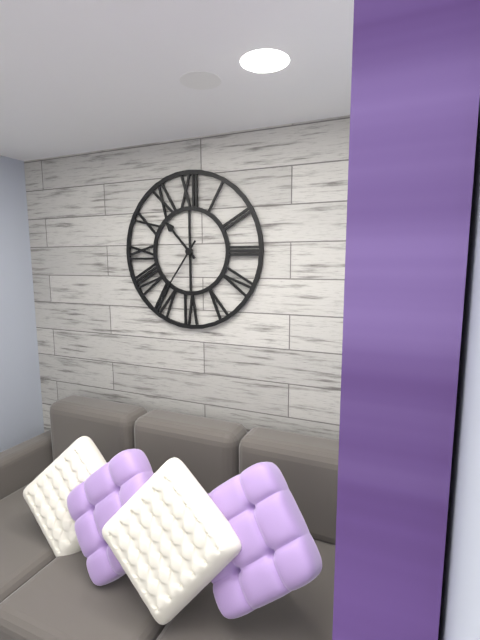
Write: 10,36
